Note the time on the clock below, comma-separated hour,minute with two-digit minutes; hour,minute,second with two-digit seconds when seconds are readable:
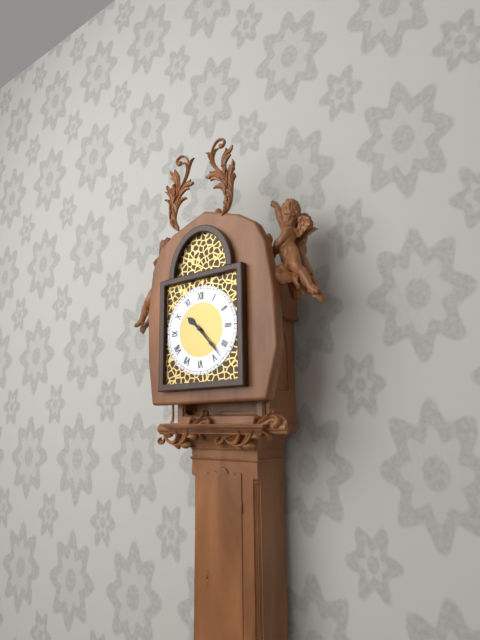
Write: 10,23
